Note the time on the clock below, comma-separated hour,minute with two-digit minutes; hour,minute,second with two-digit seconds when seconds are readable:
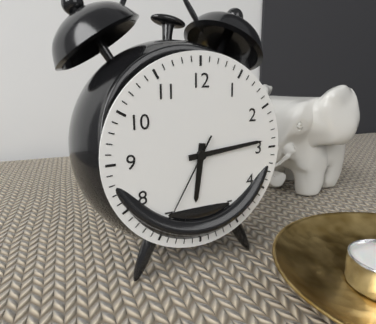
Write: 6,14,35
